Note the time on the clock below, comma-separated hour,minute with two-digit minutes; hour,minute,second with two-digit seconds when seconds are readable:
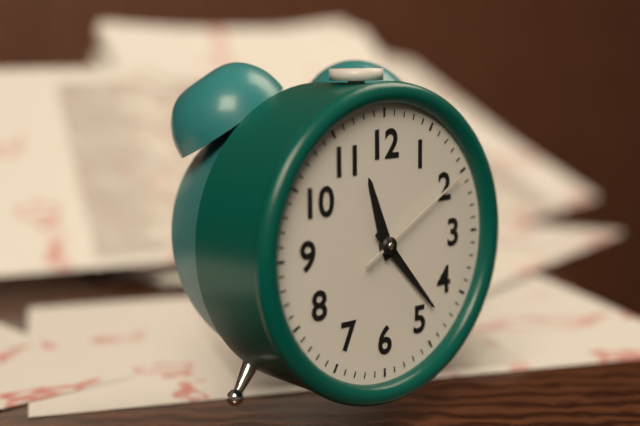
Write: 11,23,10
